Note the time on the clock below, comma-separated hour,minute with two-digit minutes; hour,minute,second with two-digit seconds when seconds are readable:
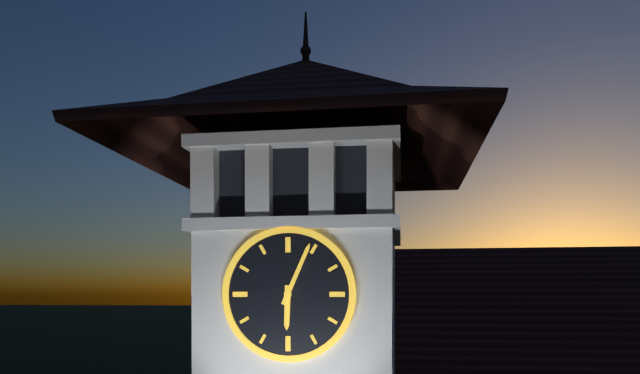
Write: 6,04
